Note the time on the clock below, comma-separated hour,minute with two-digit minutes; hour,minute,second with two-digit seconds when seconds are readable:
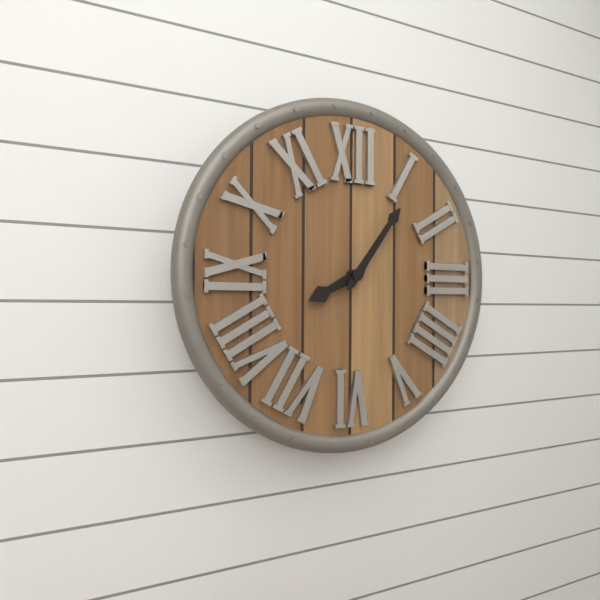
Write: 8,06
